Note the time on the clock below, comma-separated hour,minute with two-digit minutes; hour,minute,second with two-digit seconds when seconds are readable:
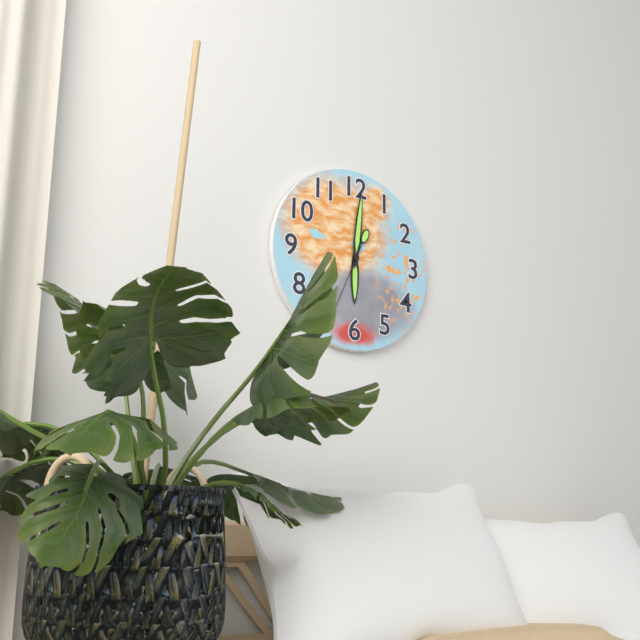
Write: 6,01
